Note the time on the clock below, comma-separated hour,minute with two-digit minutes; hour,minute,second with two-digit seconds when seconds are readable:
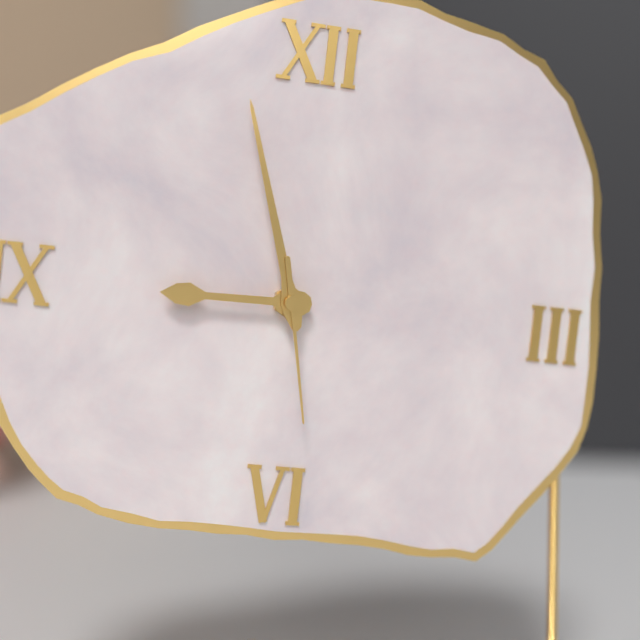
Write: 8,57,28
